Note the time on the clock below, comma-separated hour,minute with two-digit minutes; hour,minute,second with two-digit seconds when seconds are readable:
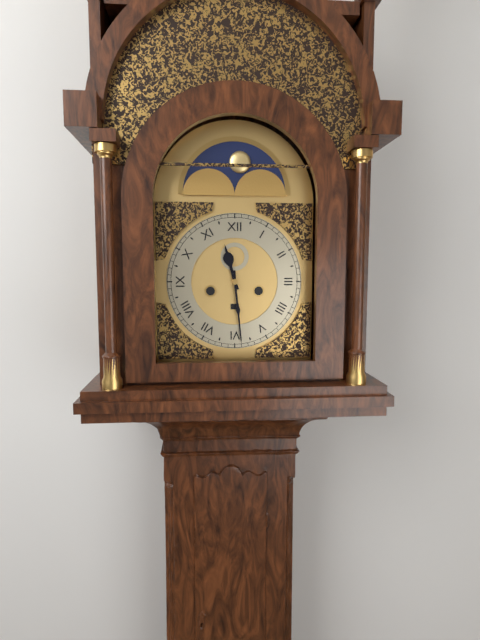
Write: 11,29
